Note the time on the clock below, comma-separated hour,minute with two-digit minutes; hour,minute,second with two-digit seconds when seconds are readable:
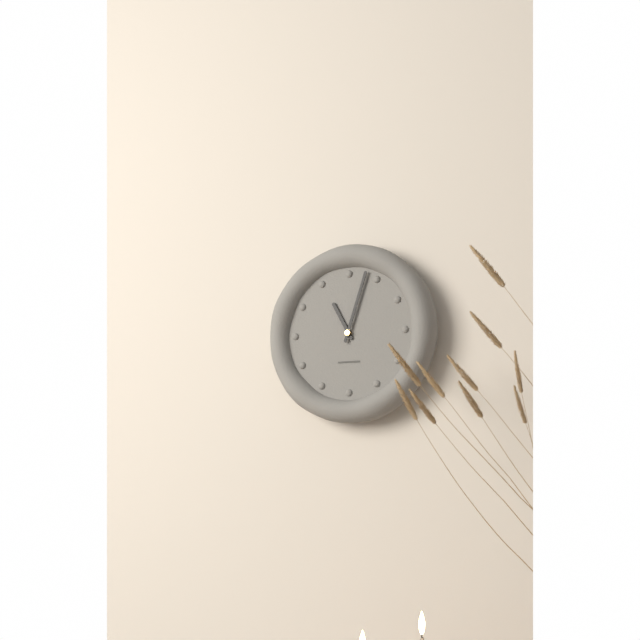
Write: 11,03
